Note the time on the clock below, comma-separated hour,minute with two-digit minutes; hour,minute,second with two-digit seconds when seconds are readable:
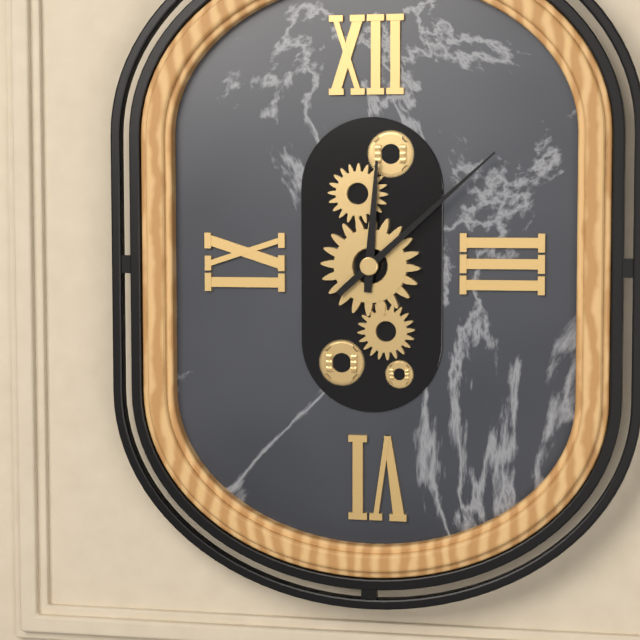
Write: 12,08
